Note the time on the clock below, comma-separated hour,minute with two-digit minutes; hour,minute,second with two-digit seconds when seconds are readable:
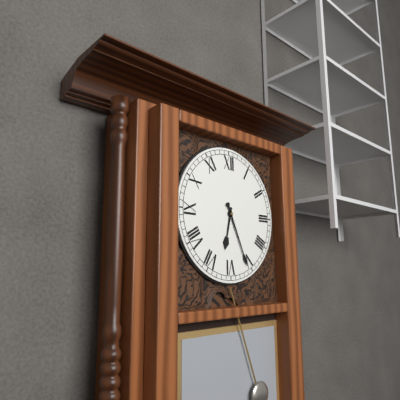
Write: 6,26
